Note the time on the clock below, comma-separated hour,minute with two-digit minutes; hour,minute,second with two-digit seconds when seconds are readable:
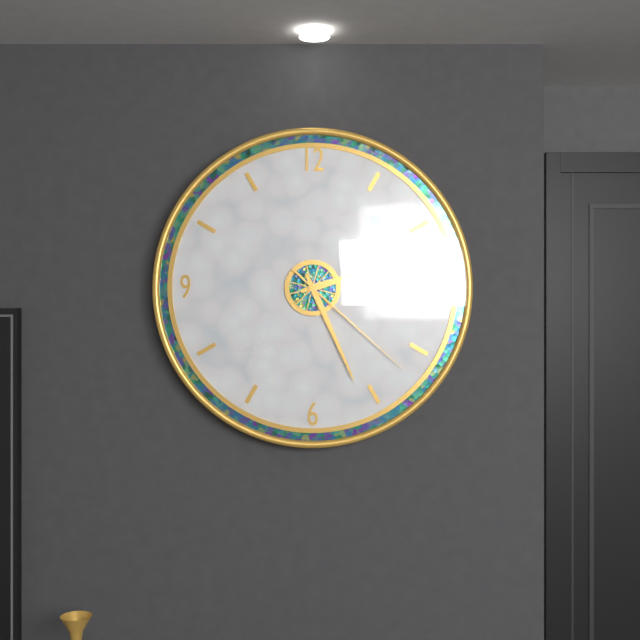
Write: 2,26,22
